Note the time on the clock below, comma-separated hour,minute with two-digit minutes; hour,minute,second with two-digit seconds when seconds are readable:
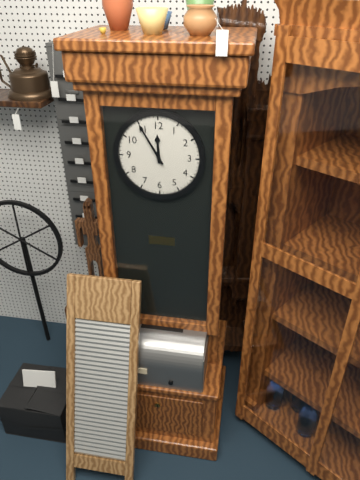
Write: 11,55
